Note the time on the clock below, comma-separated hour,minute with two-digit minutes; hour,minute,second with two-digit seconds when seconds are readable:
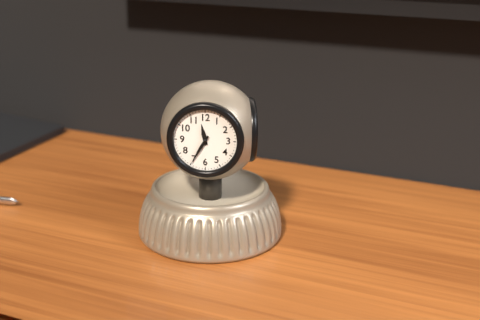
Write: 11,35
